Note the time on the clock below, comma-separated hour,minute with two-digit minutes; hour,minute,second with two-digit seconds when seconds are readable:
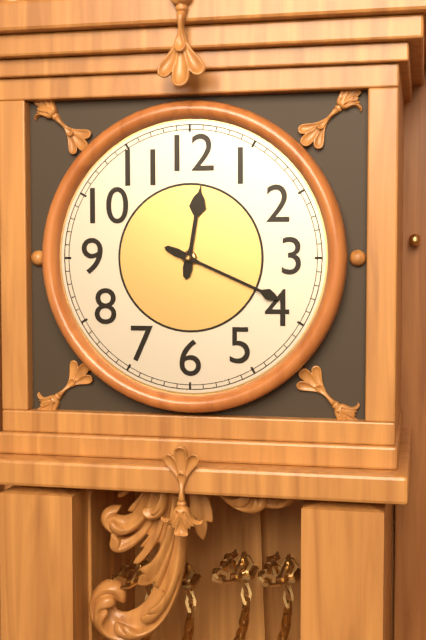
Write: 12,19
